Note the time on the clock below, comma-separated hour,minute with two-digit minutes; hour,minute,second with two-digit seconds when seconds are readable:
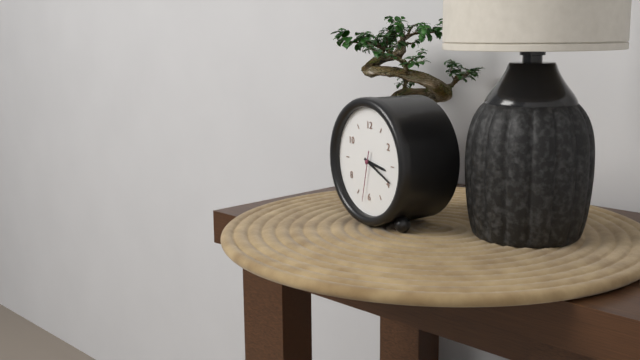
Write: 3,19
